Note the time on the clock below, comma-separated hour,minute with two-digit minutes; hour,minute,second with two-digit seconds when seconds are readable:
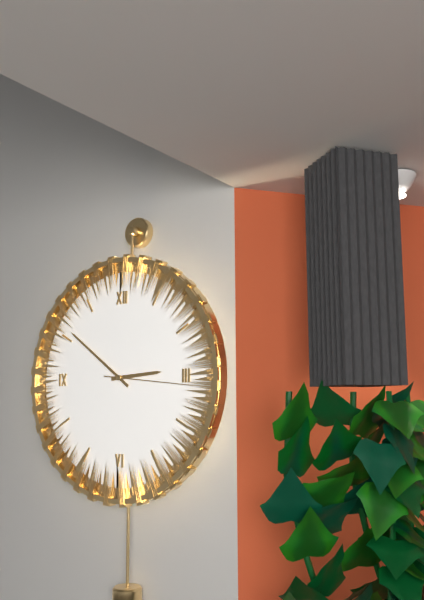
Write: 2,51,16
